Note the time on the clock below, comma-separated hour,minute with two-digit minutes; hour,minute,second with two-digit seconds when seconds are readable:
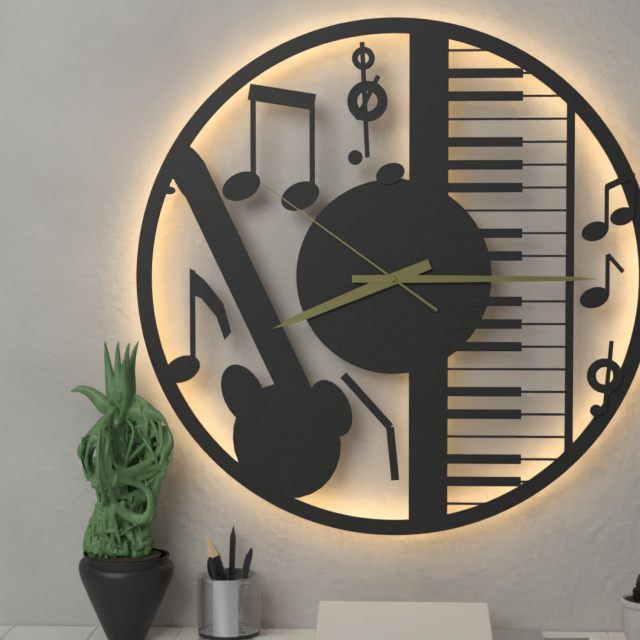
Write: 8,15,51
